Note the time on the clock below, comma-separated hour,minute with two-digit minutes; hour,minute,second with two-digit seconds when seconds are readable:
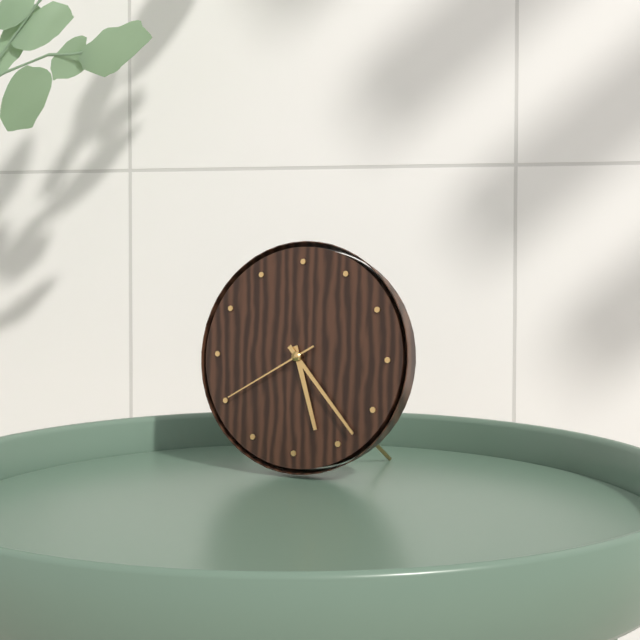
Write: 5,23,40
